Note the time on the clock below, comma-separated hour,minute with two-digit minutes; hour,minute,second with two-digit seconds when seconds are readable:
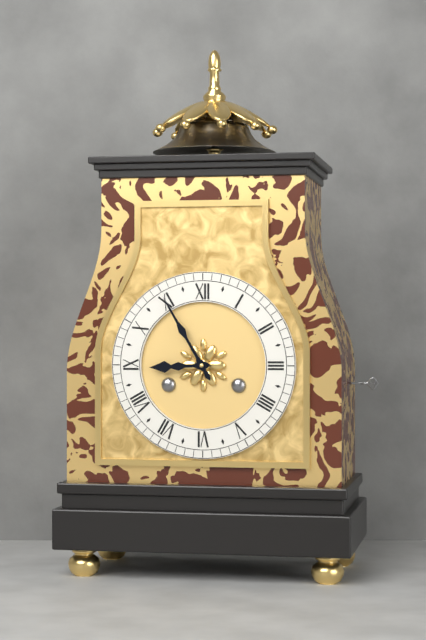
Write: 8,55
